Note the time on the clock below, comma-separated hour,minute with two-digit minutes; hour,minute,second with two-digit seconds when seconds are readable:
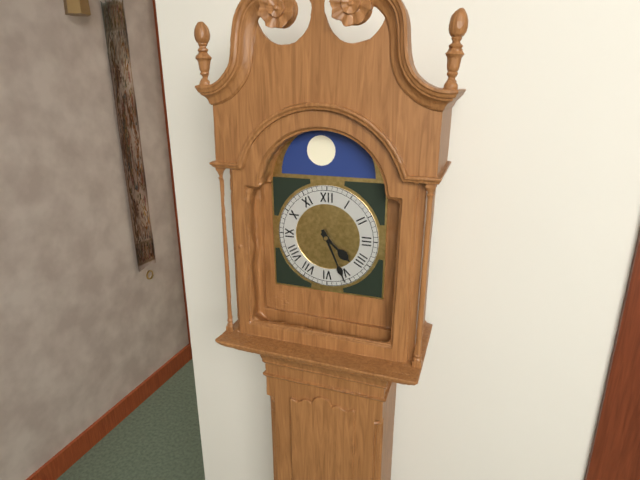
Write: 4,26
